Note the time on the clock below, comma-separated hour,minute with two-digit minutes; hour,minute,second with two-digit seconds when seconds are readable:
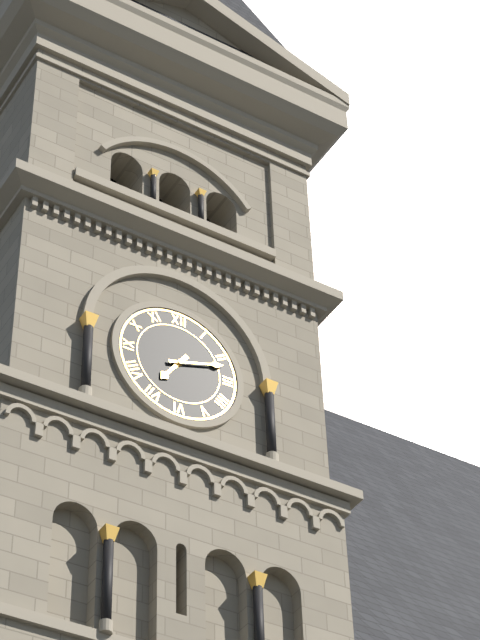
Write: 7,12
